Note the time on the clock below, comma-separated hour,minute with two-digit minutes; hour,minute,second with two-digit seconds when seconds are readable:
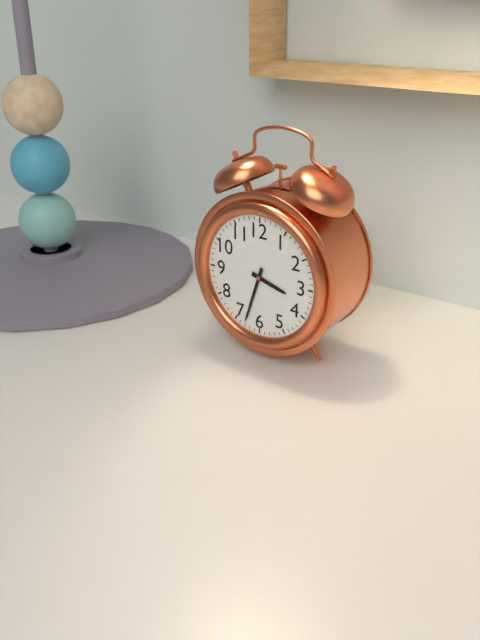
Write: 3,33
